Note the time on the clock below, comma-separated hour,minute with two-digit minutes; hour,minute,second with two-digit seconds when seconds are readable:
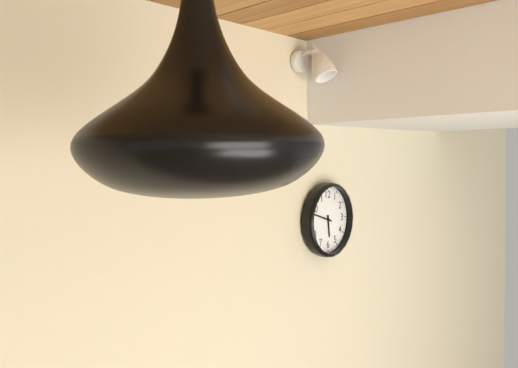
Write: 5,48
